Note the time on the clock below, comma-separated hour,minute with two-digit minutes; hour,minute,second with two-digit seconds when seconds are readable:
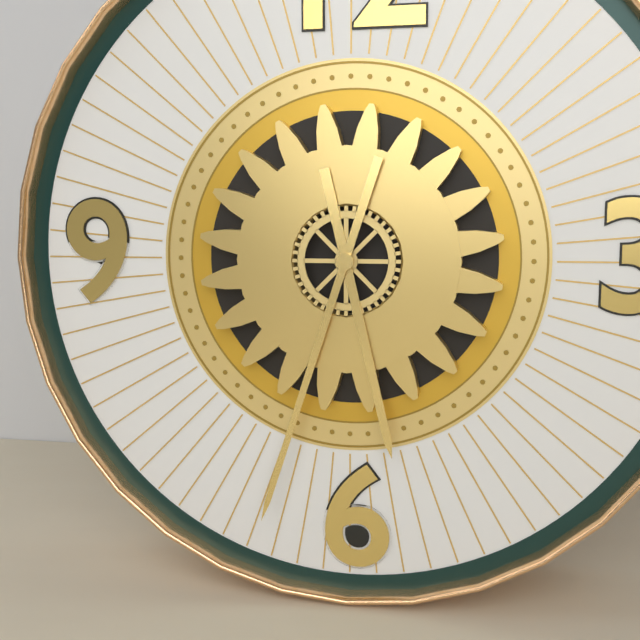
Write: 5,33
